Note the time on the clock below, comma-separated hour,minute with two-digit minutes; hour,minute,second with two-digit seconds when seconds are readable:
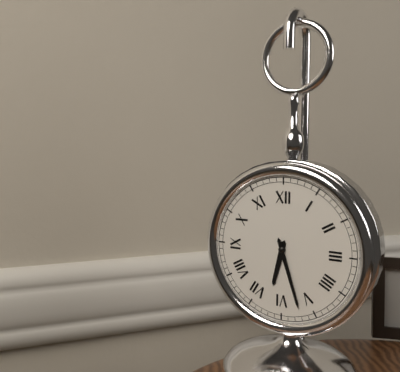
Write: 6,27
